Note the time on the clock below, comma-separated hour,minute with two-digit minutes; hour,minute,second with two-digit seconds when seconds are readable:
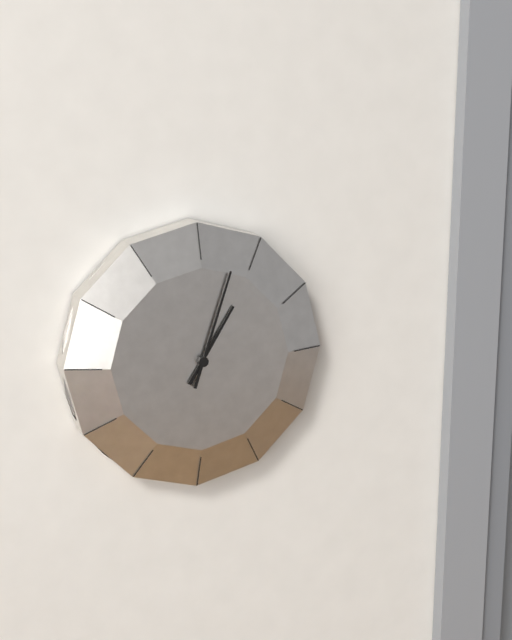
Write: 1,03
